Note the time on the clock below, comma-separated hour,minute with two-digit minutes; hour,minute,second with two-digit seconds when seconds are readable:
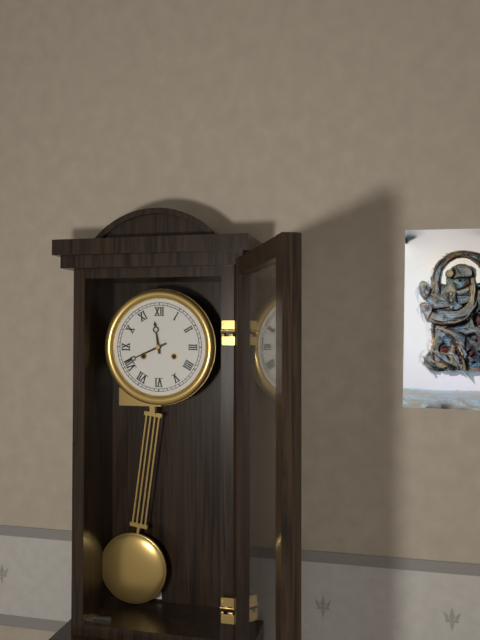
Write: 11,41
